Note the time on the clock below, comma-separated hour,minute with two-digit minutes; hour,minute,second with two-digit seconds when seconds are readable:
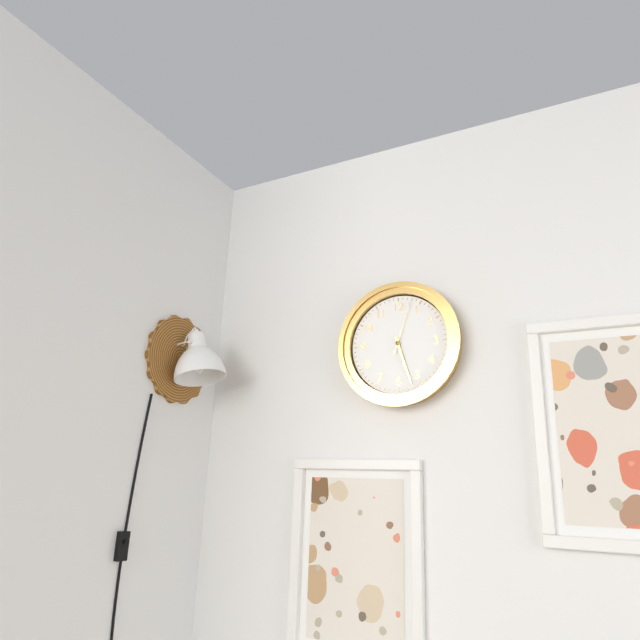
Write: 5,27,03
